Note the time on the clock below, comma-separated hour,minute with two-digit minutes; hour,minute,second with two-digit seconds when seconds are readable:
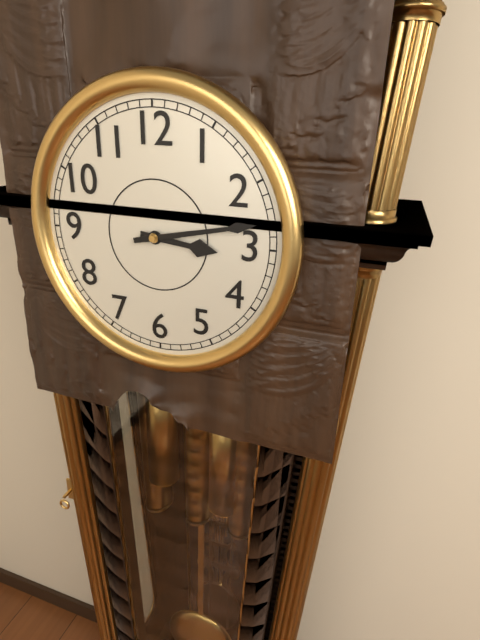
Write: 3,13
